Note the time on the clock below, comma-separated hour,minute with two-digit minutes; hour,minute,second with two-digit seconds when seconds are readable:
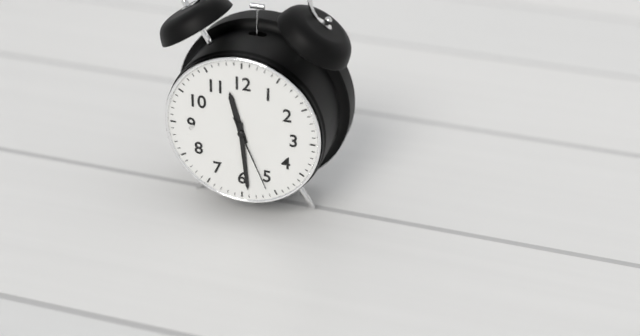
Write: 11,29,26
